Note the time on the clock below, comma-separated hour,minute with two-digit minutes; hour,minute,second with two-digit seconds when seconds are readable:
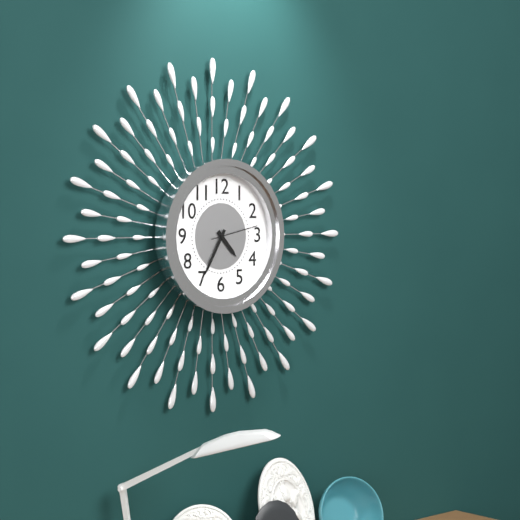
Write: 4,35
